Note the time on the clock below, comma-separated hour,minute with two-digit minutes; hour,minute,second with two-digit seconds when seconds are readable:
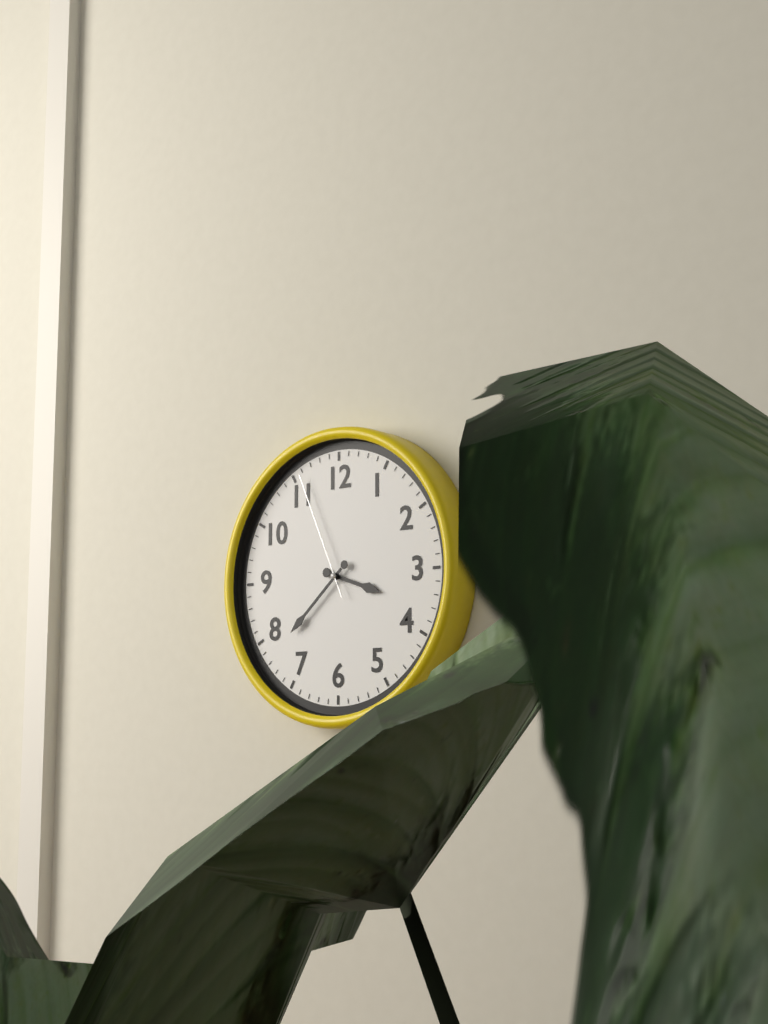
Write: 3,38,56
